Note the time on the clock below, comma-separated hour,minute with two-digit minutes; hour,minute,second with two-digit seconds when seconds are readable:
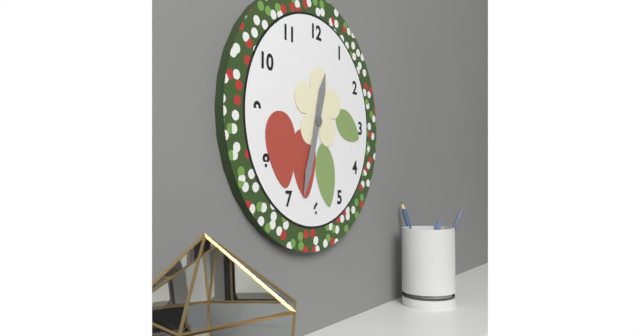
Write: 12,33
